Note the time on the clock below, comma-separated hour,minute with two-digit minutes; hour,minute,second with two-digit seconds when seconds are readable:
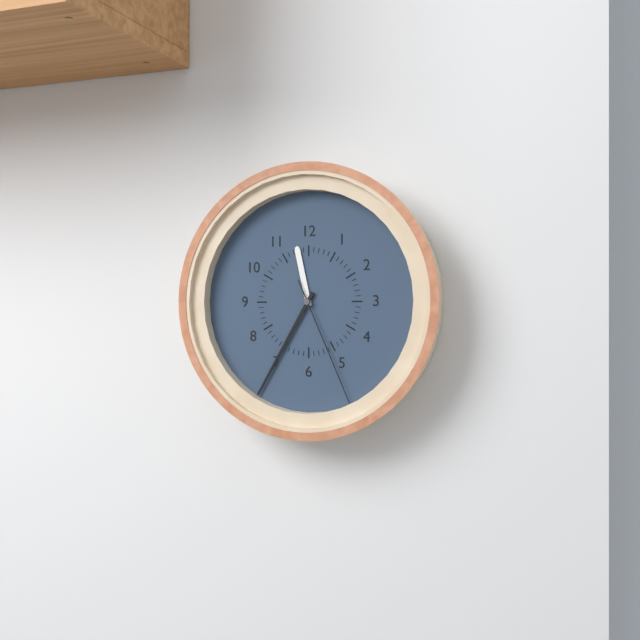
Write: 11,35,26
